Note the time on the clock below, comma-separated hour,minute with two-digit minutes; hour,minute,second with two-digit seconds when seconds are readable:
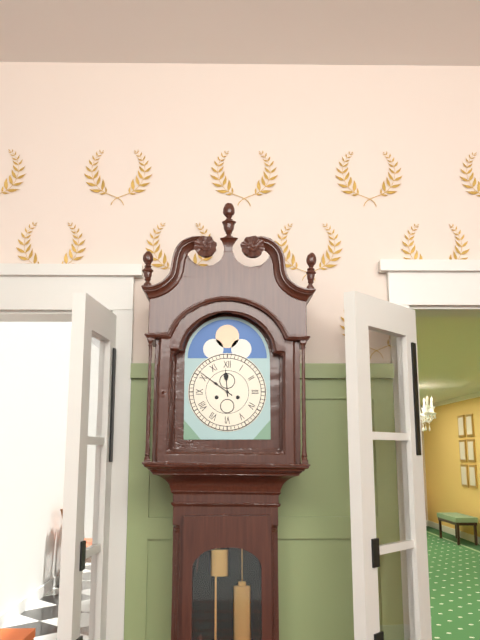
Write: 11,51
